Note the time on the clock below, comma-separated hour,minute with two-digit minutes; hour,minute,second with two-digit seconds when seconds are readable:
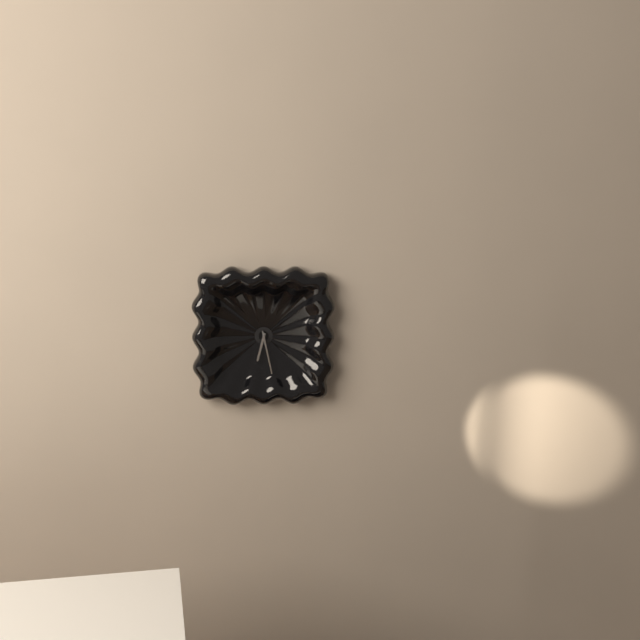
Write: 6,28
